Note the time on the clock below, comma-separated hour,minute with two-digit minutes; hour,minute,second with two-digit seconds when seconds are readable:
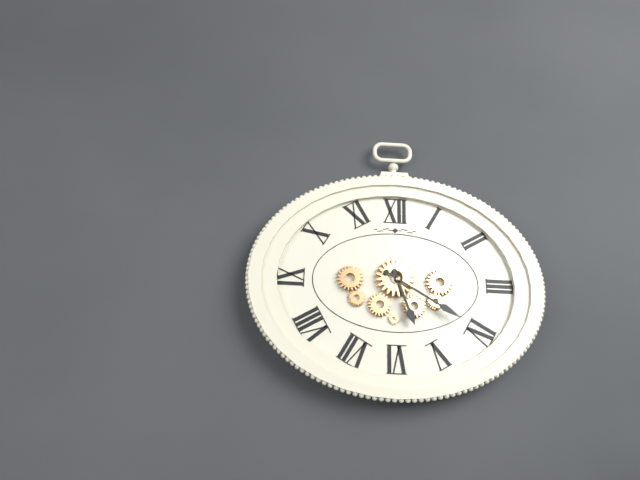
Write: 5,20
